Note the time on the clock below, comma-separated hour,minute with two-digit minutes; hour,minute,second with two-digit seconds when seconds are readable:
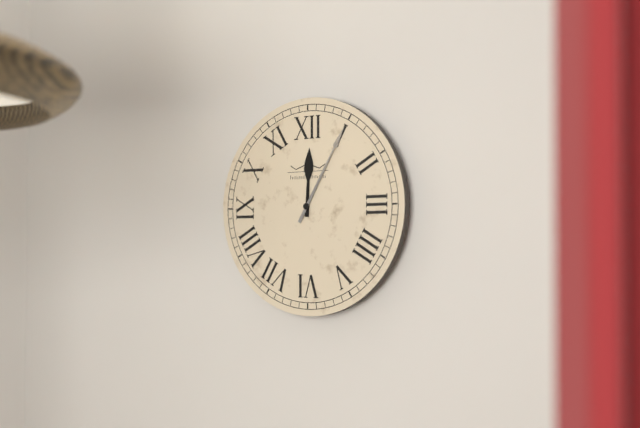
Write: 12,05
